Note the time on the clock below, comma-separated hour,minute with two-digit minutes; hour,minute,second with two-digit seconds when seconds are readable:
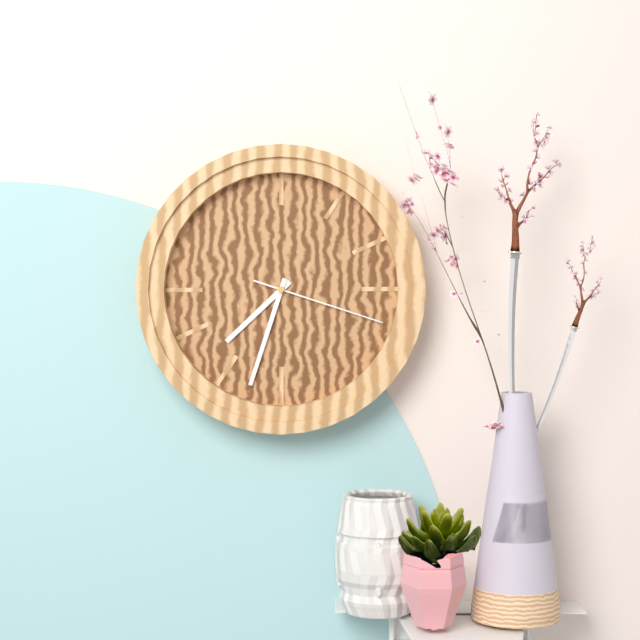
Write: 7,33,18
